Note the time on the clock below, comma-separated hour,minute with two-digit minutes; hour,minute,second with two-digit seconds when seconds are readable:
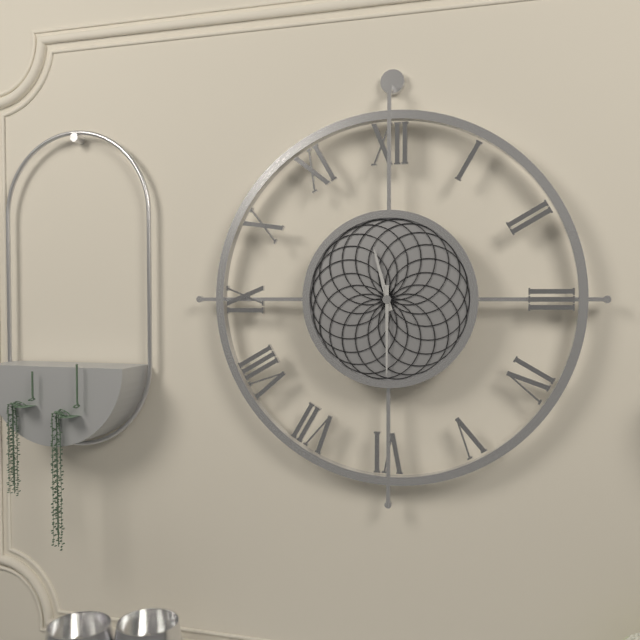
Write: 11,30
